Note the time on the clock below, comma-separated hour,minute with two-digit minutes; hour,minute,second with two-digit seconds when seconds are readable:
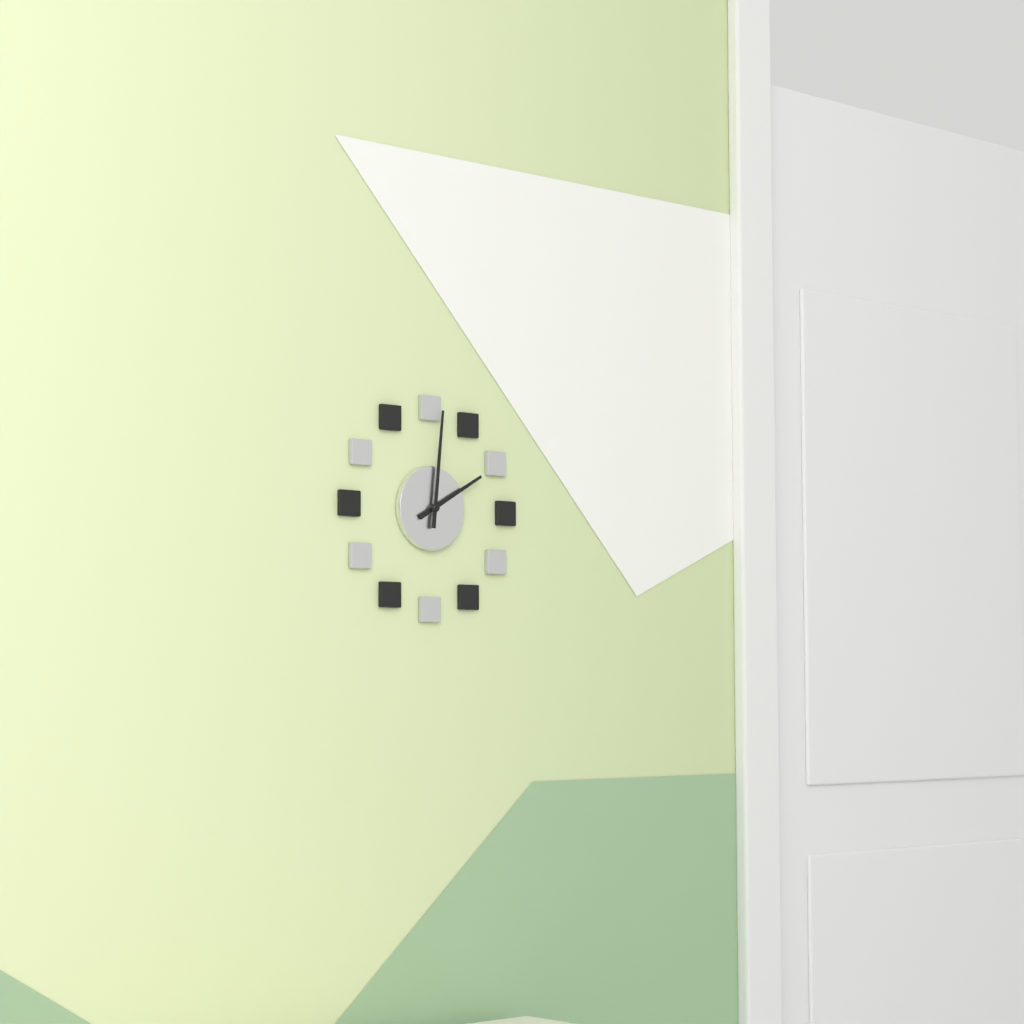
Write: 2,01
